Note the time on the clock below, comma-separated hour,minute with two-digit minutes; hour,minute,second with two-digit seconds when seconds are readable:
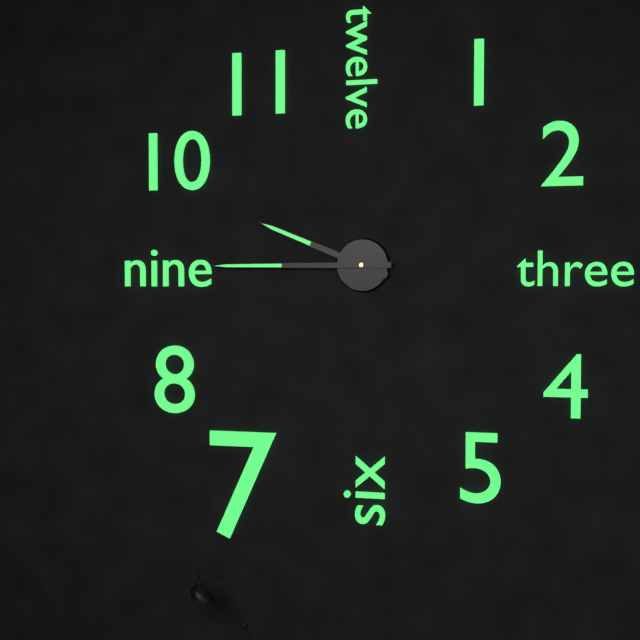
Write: 9,45
